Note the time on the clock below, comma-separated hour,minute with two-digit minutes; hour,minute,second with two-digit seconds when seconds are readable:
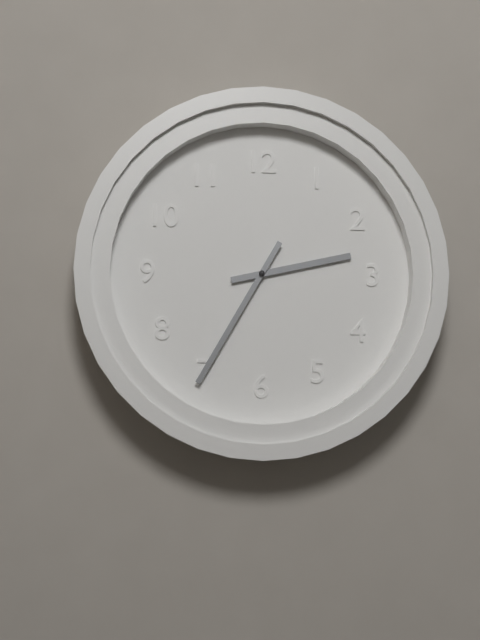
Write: 2,35
